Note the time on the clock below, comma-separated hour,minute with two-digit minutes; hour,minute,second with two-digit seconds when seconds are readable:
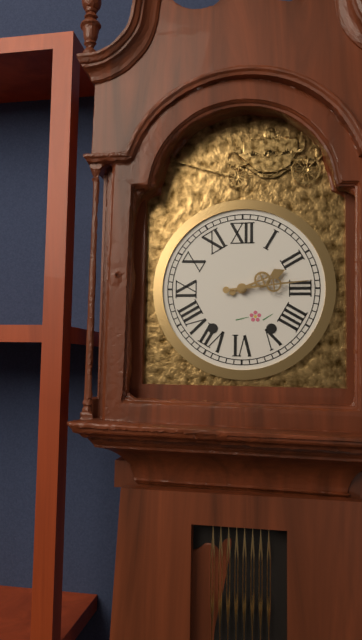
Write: 2,14
